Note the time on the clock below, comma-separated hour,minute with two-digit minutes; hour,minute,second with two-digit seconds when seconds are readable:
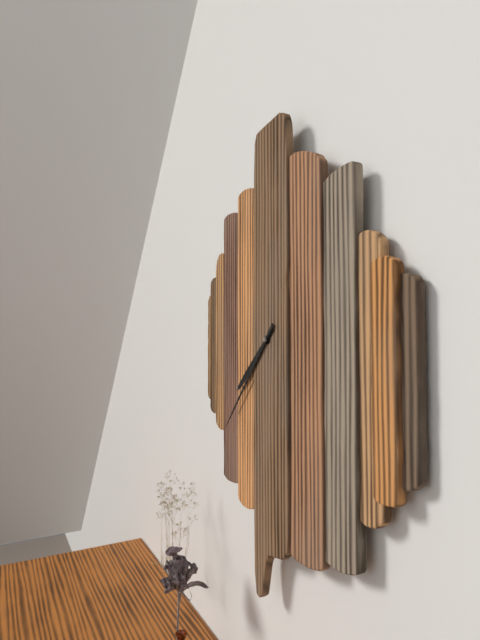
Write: 7,37
